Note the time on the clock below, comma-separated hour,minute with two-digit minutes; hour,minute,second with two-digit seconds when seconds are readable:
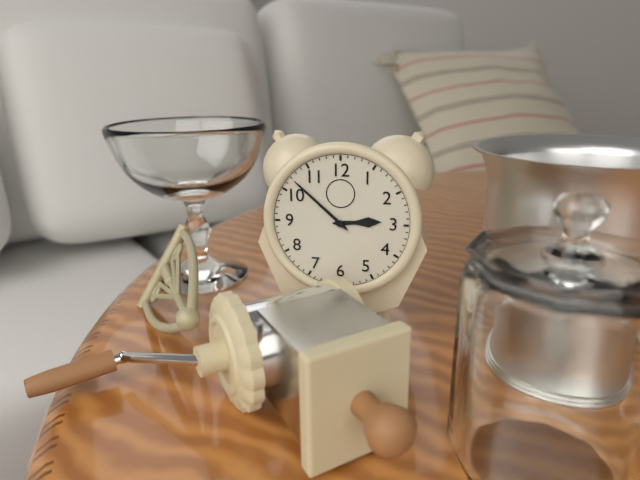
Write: 2,52
